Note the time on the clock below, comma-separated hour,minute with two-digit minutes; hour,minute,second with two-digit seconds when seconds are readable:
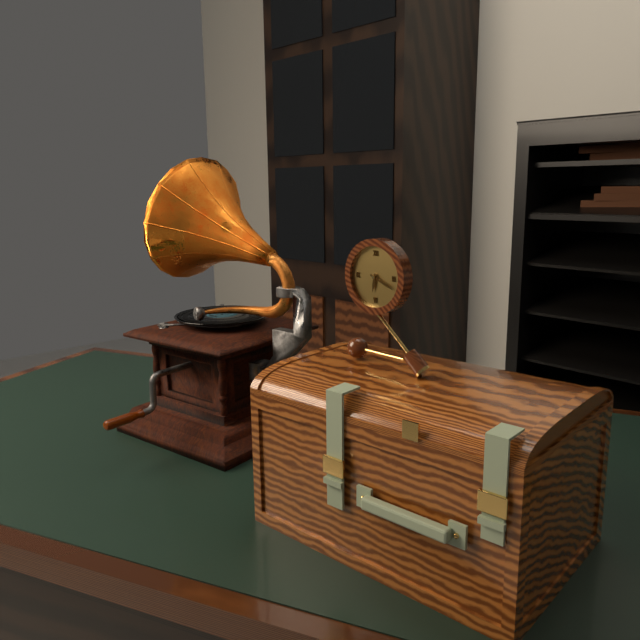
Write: 6,19
